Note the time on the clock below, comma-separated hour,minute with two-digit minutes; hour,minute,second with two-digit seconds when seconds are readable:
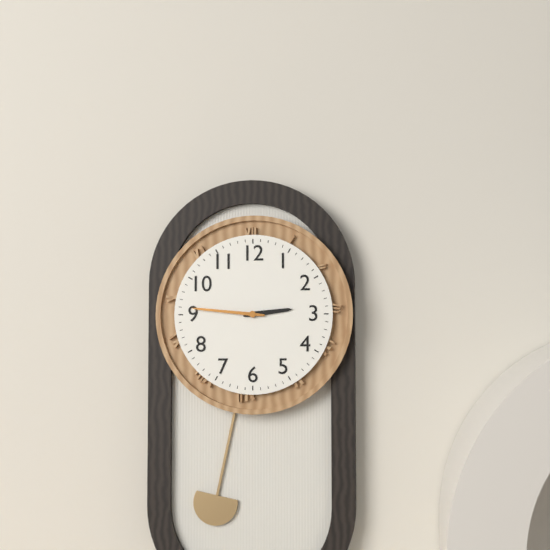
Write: 2,46
